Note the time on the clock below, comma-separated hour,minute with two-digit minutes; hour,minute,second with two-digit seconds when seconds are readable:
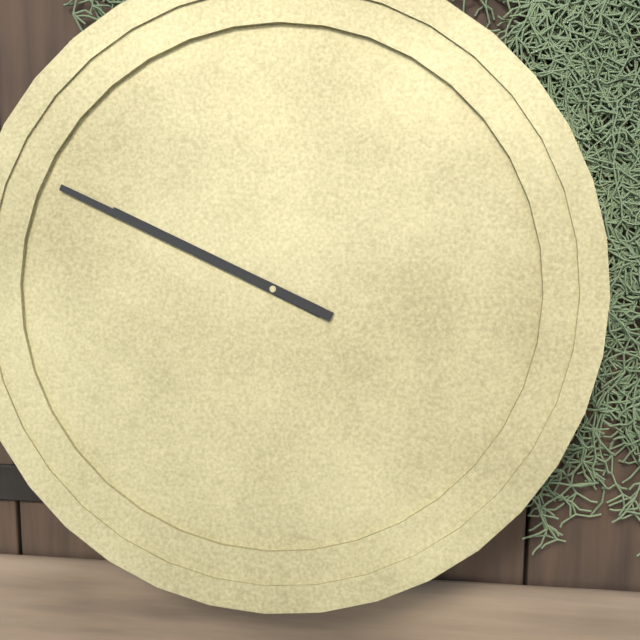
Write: 9,49
